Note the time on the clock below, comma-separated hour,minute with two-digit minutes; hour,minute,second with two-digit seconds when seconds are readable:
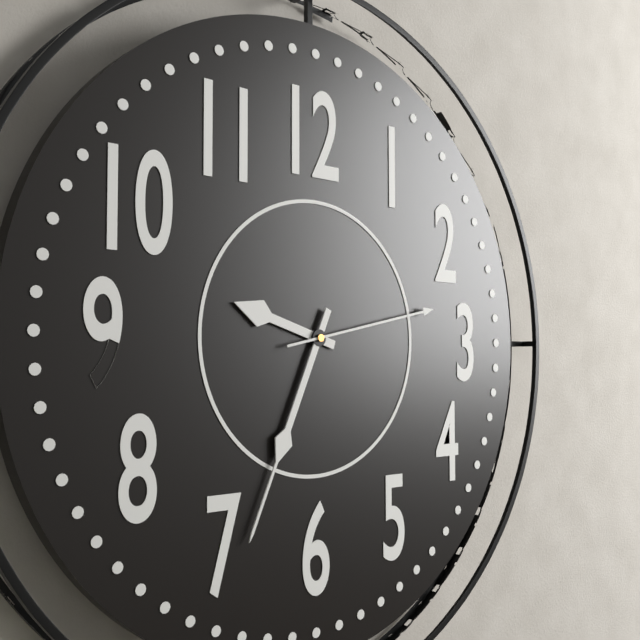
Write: 9,34,13
